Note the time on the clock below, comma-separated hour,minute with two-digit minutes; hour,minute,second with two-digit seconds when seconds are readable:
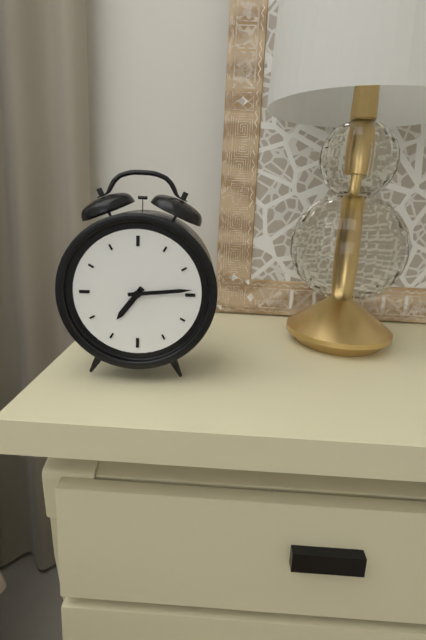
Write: 7,14
